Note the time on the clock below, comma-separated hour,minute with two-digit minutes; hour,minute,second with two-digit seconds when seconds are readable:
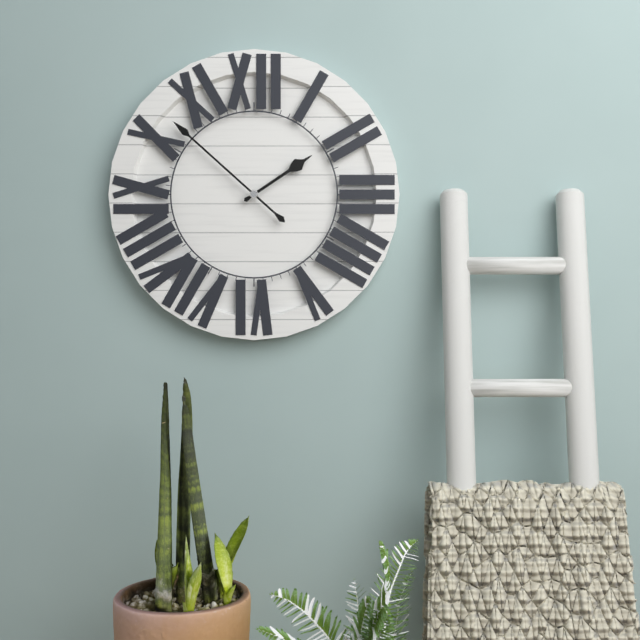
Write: 1,52
